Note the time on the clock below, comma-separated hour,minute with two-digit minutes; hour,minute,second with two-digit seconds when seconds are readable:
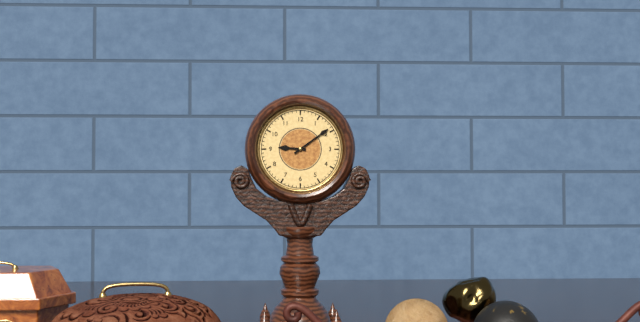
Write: 9,09
